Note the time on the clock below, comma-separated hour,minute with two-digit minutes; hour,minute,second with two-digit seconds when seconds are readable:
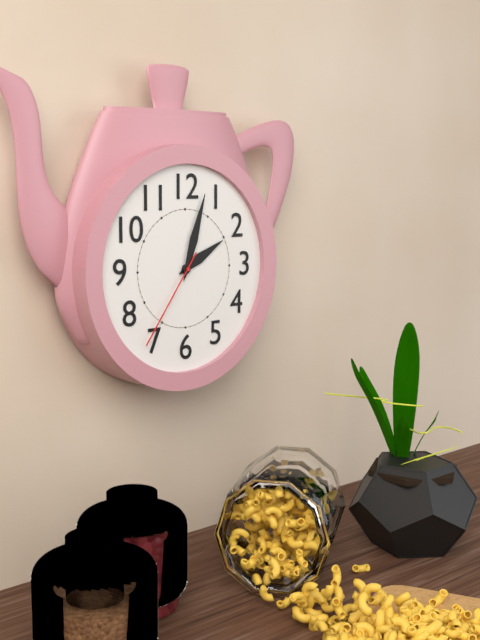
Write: 2,03,36
